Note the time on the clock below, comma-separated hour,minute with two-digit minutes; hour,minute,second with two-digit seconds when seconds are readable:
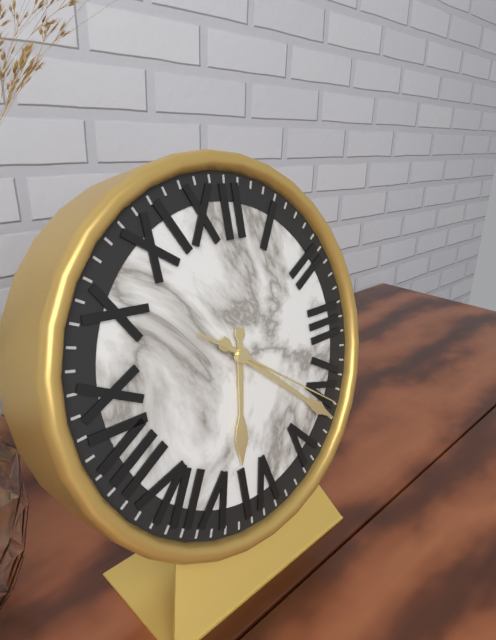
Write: 6,22,21
